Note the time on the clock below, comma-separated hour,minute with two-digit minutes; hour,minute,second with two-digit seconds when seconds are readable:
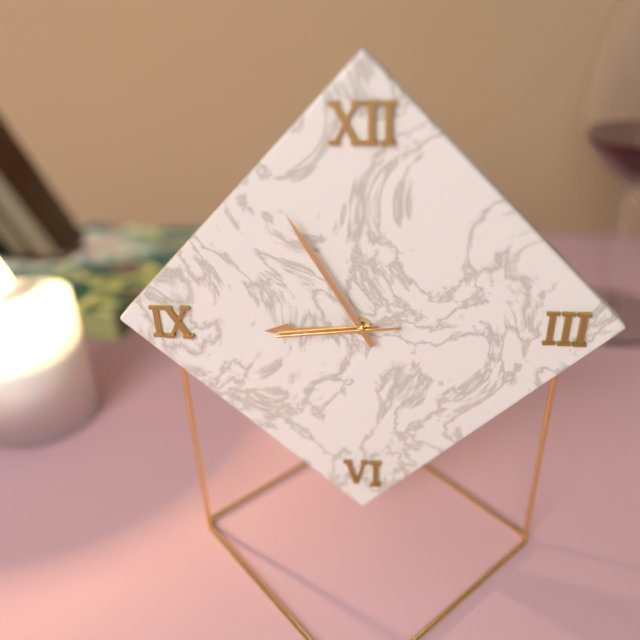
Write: 8,55,44
